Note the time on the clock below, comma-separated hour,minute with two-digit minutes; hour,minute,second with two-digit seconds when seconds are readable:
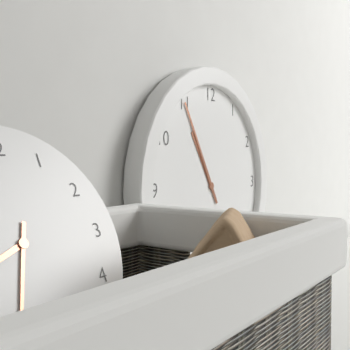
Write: 10,55
